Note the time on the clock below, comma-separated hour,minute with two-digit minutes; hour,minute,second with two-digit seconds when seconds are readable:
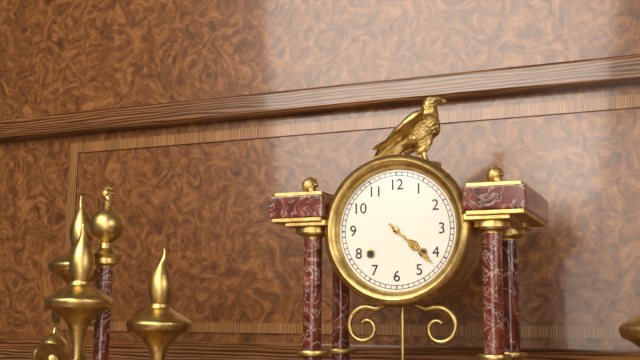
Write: 4,22
